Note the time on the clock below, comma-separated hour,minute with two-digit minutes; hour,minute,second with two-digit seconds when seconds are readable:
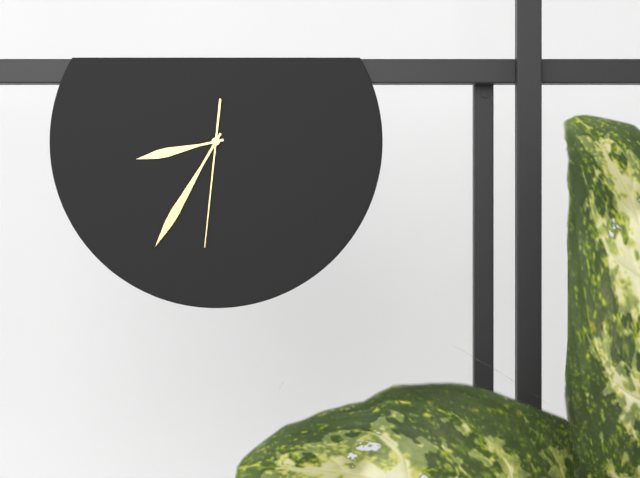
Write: 8,35,31
